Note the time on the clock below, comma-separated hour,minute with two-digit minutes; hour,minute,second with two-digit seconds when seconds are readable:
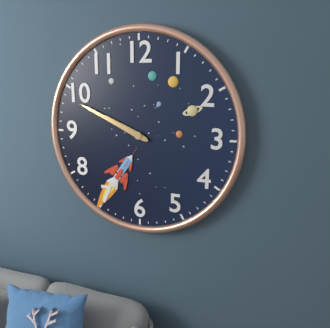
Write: 9,49
